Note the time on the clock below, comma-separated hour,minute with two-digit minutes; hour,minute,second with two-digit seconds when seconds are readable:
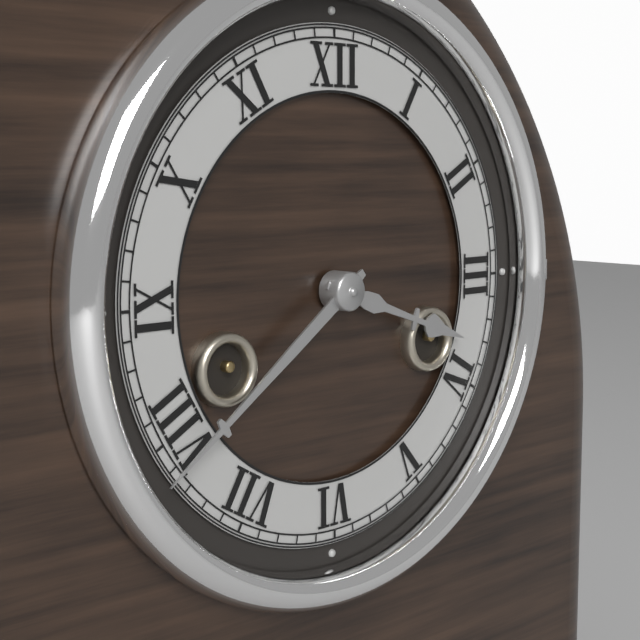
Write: 3,39
